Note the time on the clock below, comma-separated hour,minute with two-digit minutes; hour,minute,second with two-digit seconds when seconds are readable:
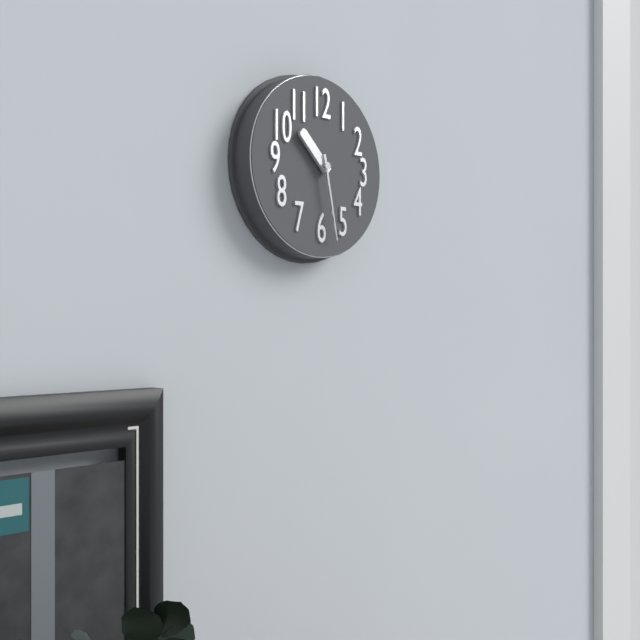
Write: 10,28
